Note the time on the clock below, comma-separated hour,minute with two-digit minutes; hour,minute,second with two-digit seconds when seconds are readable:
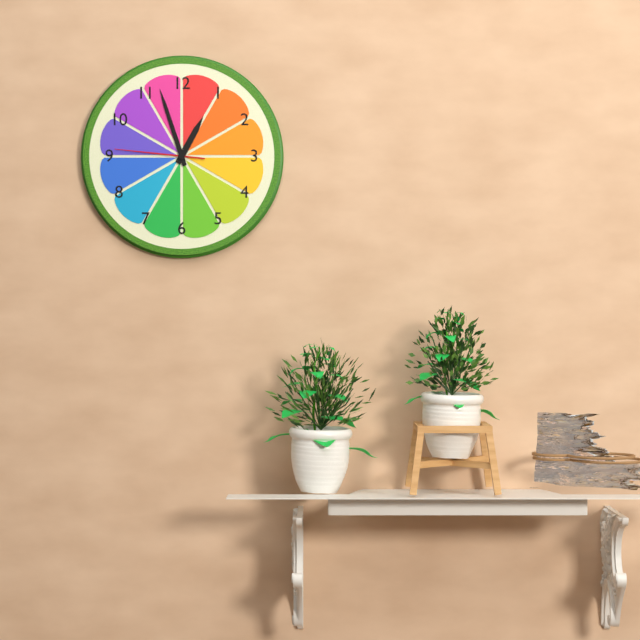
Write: 12,57,46
